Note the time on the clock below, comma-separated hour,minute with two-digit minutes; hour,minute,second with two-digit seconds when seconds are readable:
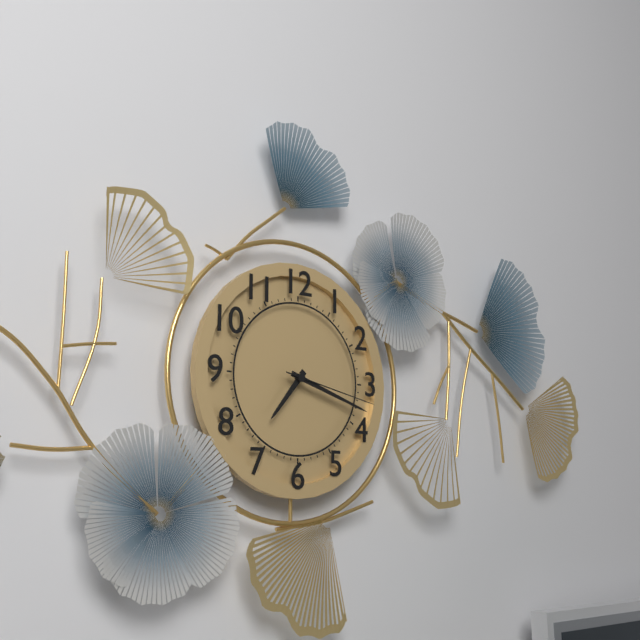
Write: 7,18,17
